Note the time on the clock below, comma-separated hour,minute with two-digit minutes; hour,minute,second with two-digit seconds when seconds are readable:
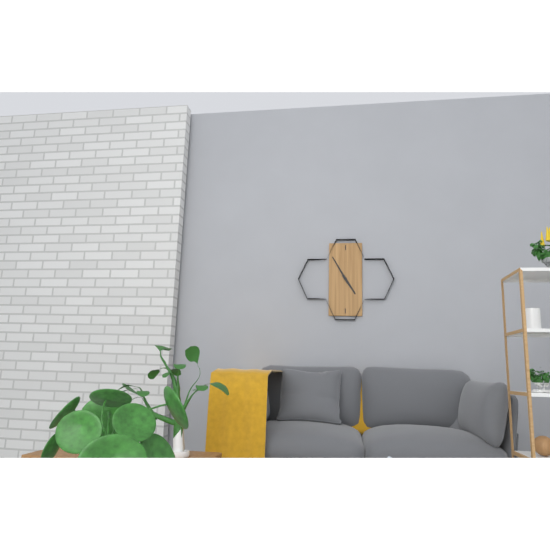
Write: 4,55
